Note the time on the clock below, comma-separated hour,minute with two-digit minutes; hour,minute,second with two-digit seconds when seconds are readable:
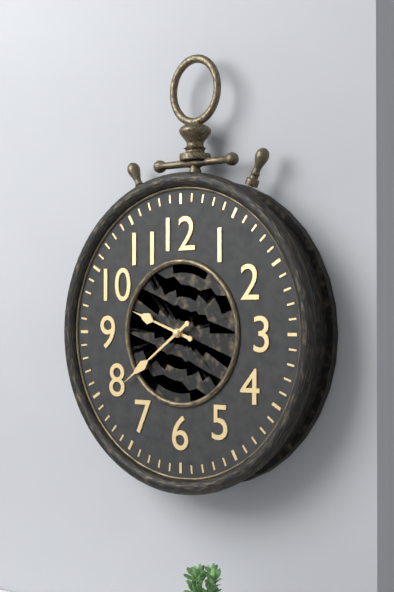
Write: 9,39
